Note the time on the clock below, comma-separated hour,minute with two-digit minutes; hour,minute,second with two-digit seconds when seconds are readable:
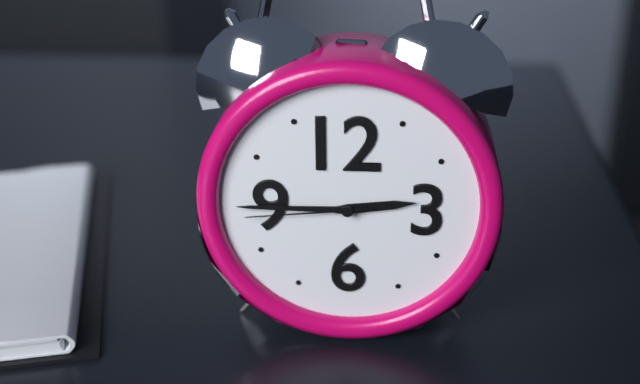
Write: 2,45,44
